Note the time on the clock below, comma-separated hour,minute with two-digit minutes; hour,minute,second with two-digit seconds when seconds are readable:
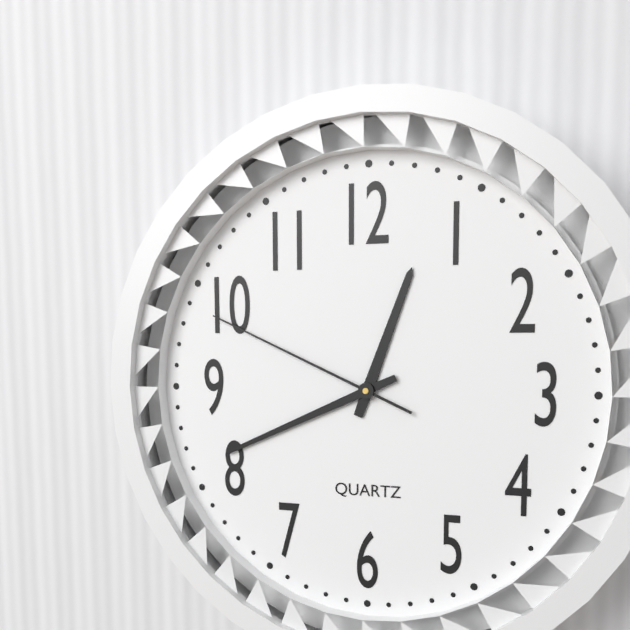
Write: 12,41,49
